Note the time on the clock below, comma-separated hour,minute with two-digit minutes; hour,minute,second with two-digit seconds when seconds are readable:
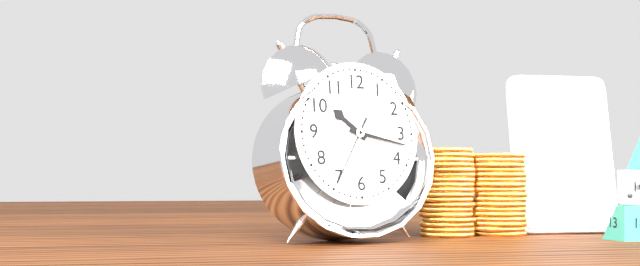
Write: 10,17,35
